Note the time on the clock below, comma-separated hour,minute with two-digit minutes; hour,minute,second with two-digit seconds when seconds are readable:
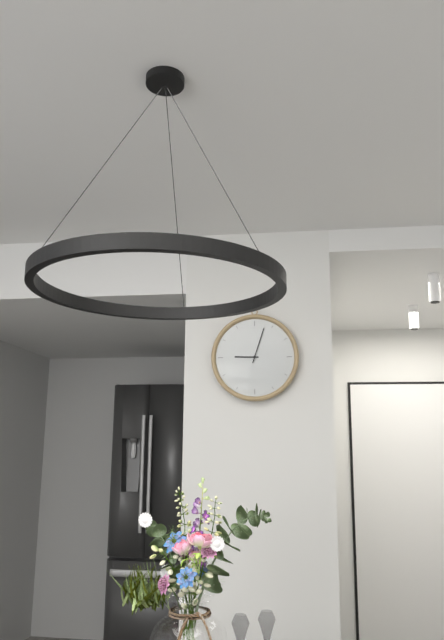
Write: 9,03
